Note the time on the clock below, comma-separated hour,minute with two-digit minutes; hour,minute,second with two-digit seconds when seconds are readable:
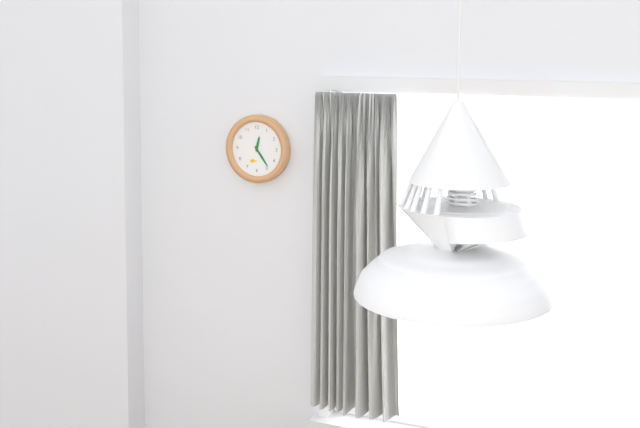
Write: 12,24
